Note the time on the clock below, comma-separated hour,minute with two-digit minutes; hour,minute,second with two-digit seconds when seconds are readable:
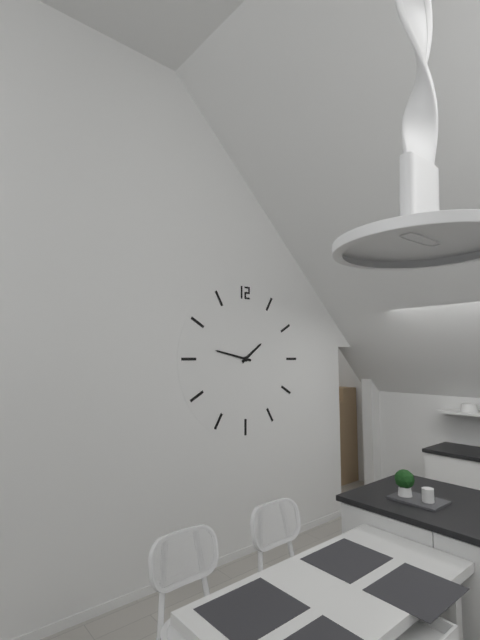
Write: 1,47
